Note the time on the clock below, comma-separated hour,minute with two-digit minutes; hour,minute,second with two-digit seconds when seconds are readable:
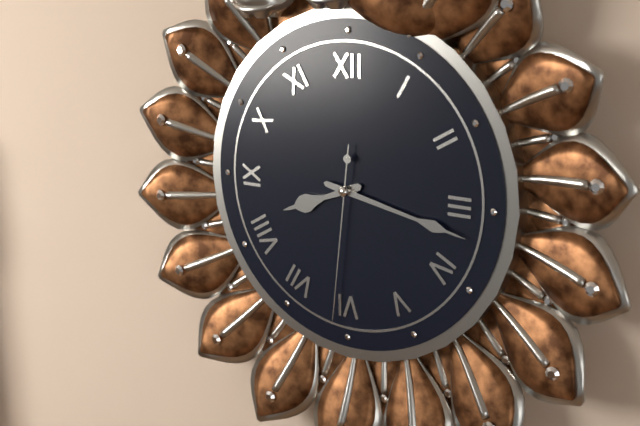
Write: 8,17,31
